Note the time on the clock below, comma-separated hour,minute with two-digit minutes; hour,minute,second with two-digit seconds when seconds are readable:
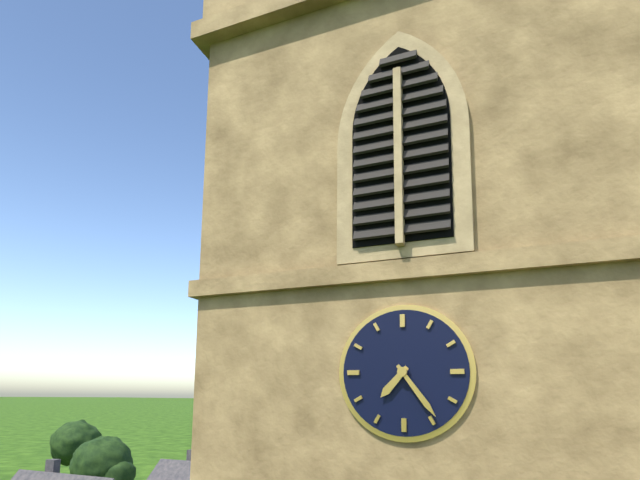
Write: 7,24
